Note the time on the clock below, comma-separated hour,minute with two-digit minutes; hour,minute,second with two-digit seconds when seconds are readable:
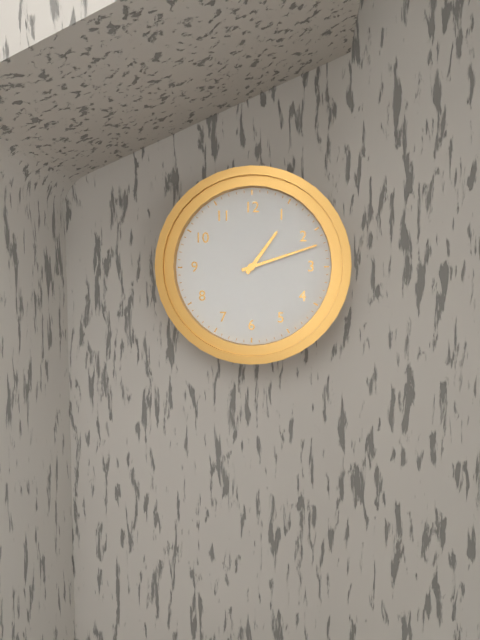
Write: 1,12
